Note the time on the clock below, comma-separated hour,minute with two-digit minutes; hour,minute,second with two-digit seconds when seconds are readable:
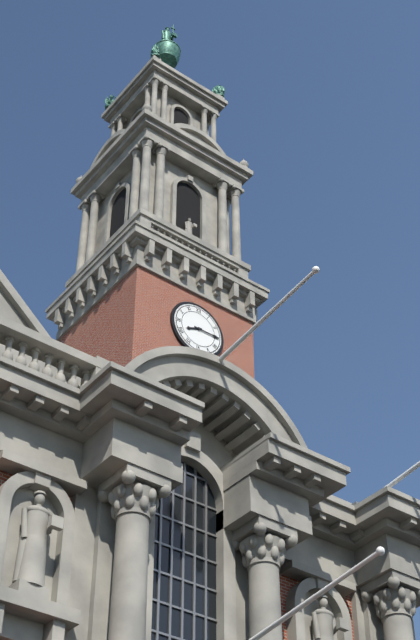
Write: 8,15
